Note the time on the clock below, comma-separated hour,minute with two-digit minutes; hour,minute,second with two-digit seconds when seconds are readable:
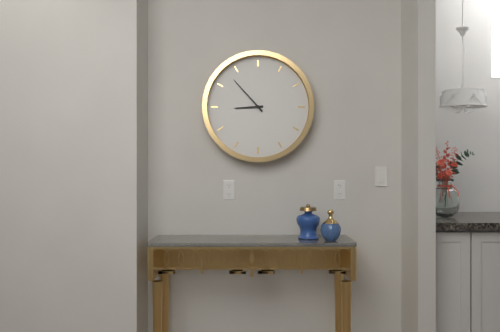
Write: 8,53
